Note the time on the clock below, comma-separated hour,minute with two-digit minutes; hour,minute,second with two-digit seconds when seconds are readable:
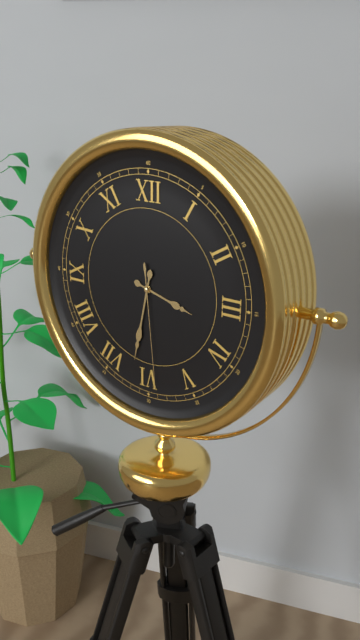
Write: 3,32,29
